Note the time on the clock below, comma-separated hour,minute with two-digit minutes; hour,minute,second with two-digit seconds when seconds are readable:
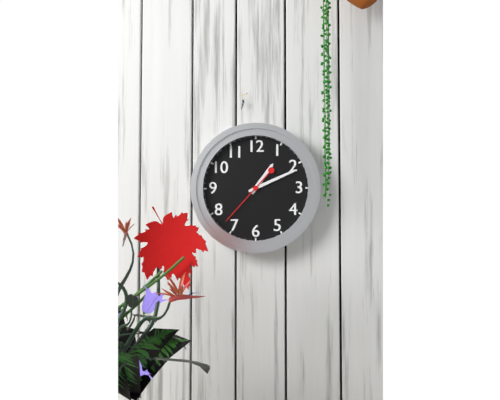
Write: 1,11,37
